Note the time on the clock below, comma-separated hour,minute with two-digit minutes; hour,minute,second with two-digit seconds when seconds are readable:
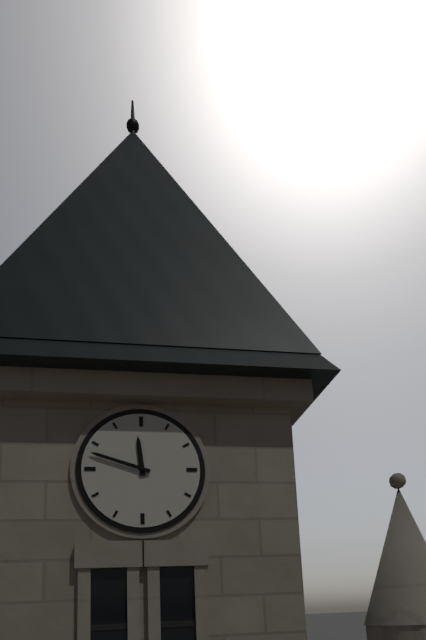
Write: 11,48
